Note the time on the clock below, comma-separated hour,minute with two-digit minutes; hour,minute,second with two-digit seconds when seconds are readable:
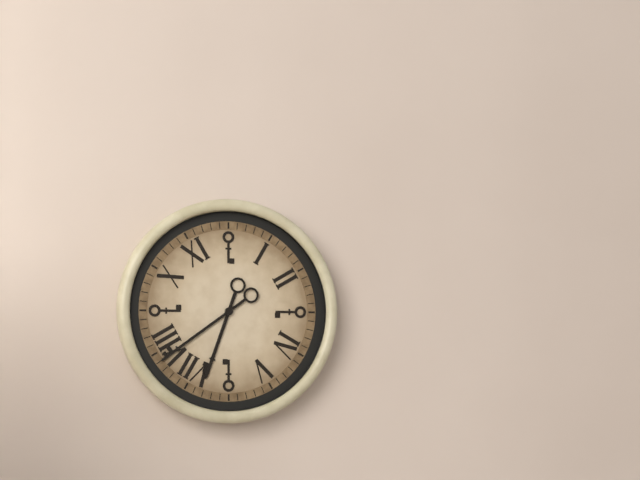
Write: 6,39
